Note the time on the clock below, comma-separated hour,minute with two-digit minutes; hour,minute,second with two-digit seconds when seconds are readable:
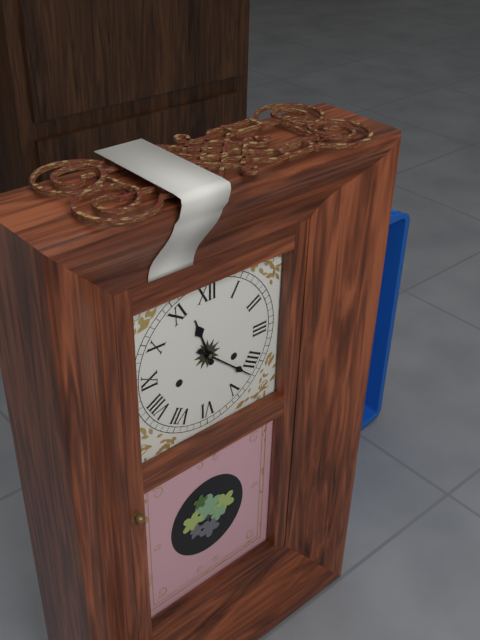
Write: 11,22
